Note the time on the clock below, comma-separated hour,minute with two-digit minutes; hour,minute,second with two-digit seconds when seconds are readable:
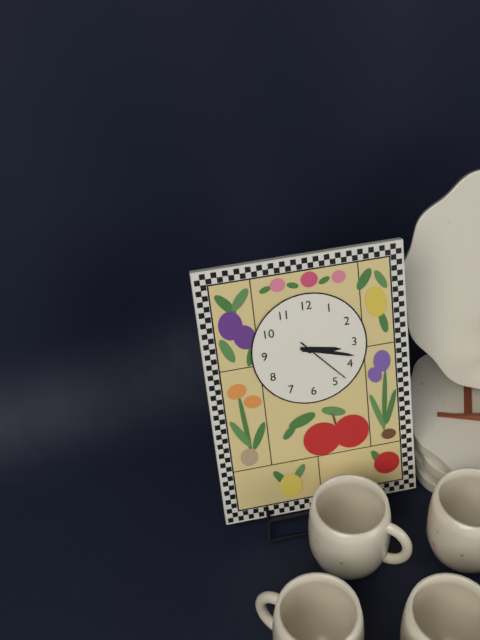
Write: 3,18,23
